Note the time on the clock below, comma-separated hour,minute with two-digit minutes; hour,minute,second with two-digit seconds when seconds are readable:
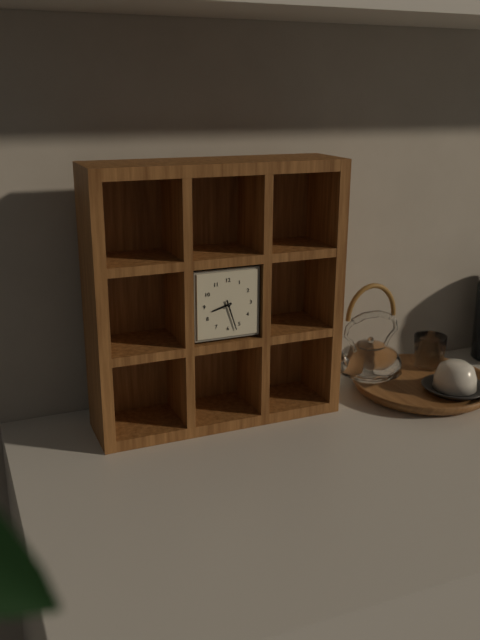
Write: 8,27
